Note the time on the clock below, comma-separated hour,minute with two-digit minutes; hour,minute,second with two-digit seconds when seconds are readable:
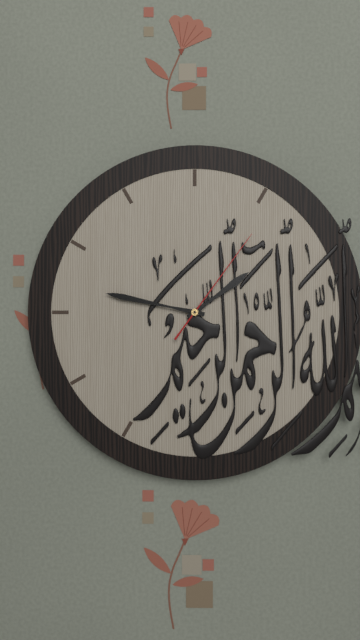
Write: 1,47,06
